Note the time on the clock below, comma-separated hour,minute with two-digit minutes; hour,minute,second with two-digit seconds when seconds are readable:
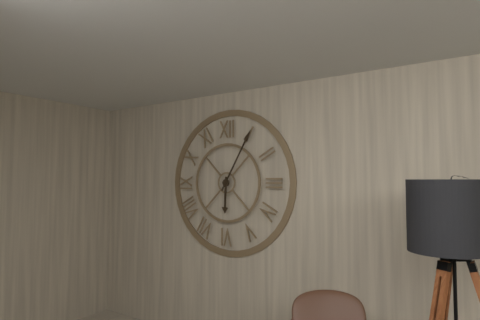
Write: 6,05
